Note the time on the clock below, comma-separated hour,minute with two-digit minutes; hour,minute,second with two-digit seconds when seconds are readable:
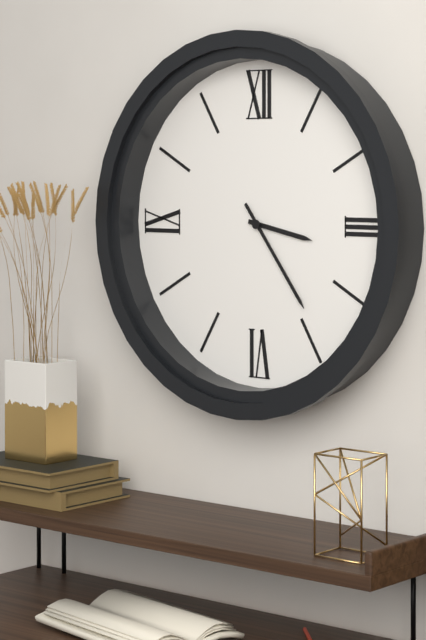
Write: 3,24
